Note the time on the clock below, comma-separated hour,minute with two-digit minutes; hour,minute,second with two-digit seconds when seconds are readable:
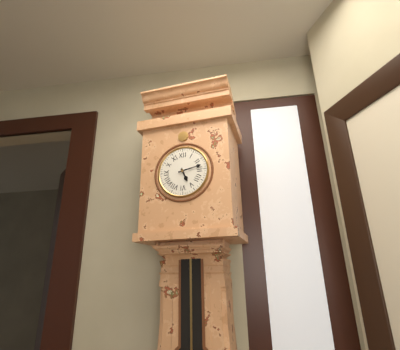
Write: 5,13
